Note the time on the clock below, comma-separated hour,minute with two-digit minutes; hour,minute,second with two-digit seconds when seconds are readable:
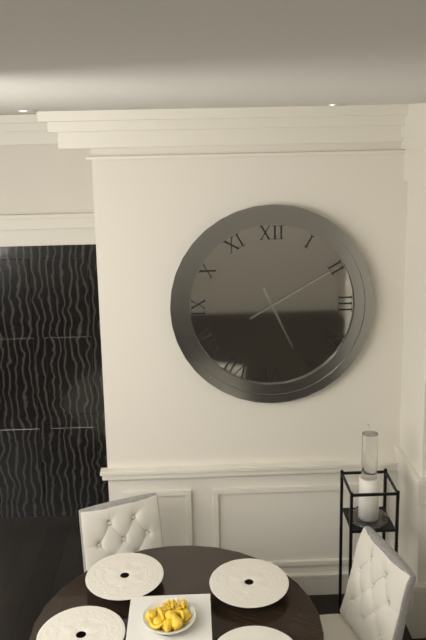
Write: 5,10
